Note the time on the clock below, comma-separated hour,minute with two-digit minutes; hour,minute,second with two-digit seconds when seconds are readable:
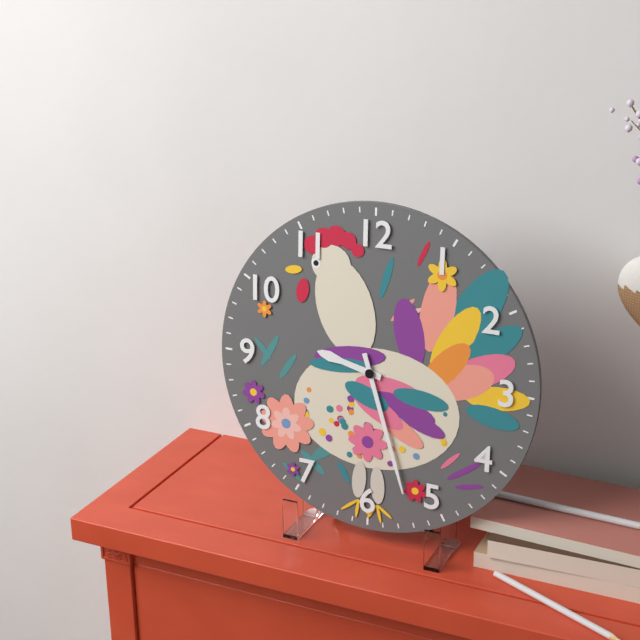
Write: 9,27
